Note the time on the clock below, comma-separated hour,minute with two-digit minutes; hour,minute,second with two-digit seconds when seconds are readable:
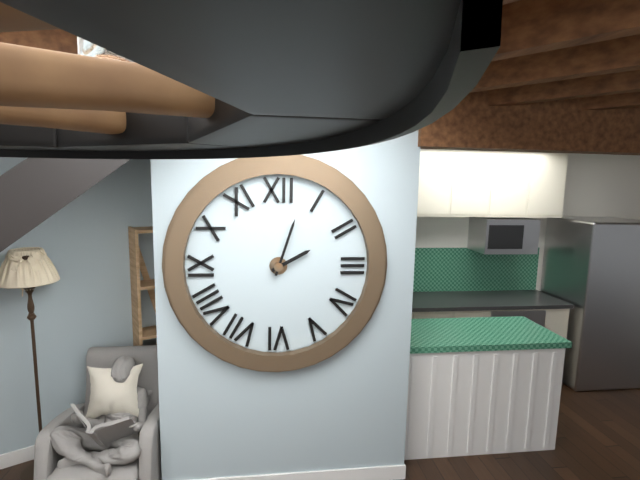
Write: 2,03
